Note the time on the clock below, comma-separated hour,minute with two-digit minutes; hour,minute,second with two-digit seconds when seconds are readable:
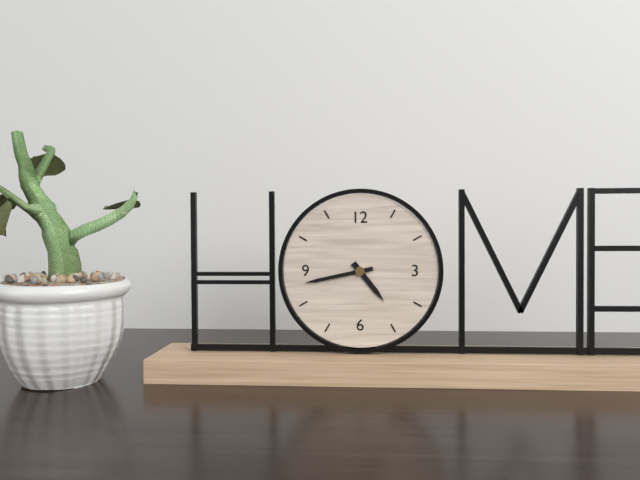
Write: 4,43
